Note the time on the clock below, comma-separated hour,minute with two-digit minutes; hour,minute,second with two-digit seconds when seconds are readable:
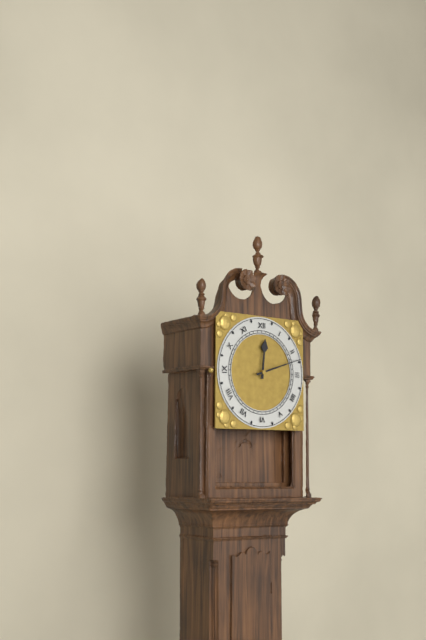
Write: 12,12
